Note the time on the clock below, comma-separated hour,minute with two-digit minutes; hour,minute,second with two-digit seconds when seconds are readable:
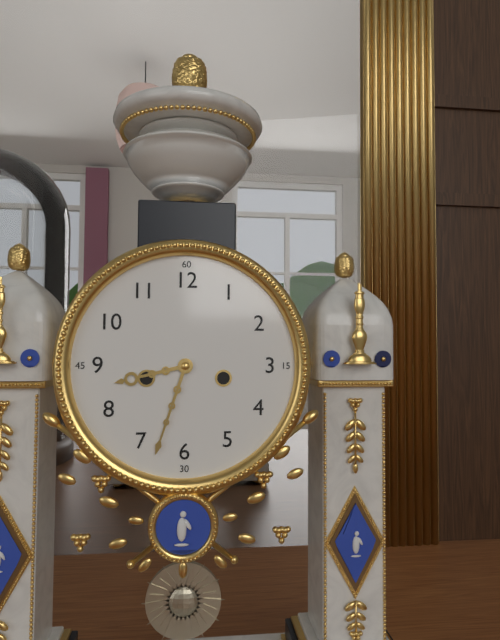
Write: 8,33
